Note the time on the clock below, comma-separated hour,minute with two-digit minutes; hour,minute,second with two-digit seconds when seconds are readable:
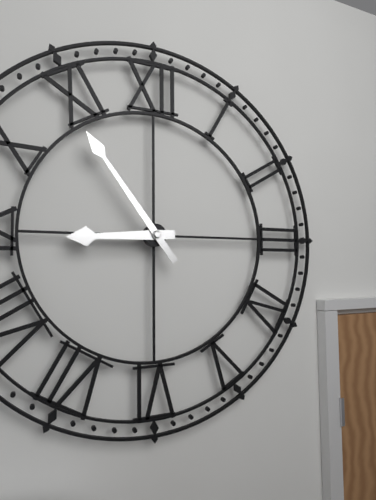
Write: 8,54
